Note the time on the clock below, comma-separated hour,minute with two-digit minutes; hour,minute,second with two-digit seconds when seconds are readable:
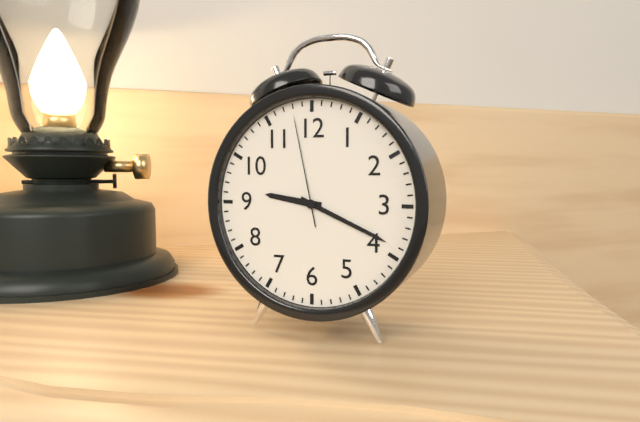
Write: 9,19,58
